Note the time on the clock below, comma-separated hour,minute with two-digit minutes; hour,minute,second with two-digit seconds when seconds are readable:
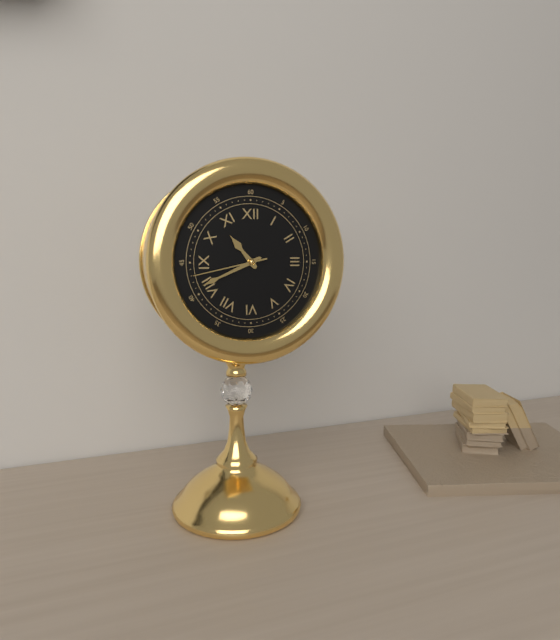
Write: 10,41,43
